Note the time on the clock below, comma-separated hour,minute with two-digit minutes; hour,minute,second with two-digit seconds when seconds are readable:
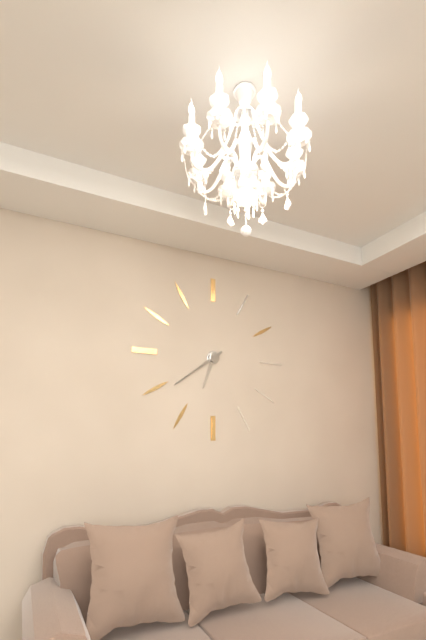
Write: 6,39
